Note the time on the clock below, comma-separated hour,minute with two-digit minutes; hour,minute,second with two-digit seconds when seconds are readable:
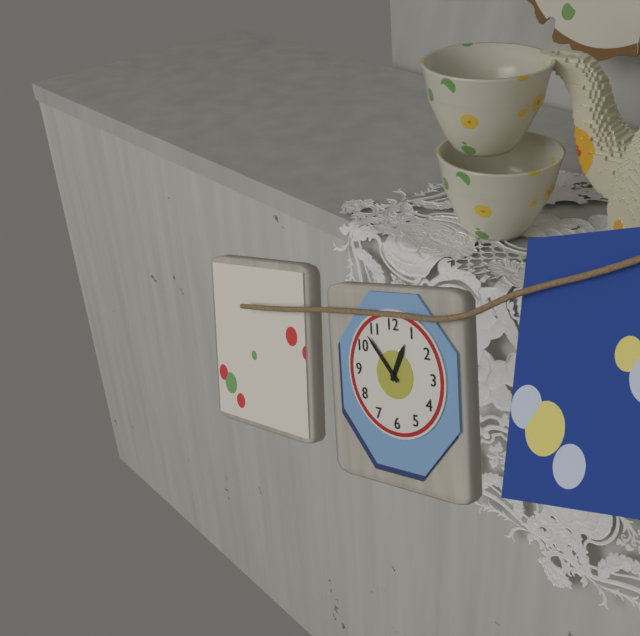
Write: 12,53
